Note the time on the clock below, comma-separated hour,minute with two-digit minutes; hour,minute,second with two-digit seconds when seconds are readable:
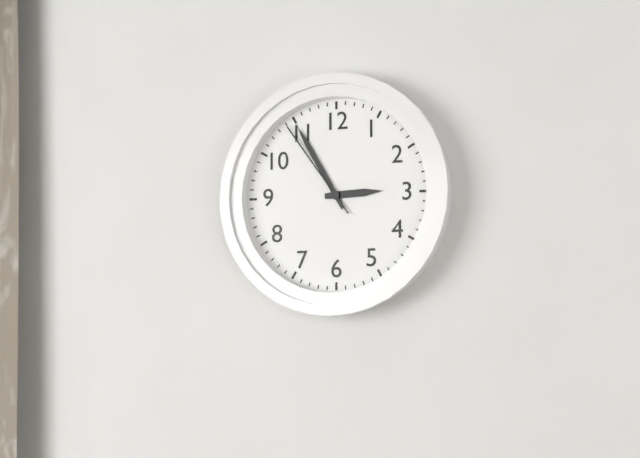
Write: 2,55,54
